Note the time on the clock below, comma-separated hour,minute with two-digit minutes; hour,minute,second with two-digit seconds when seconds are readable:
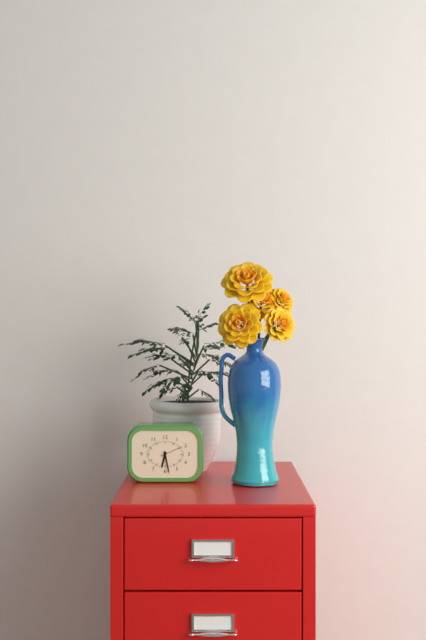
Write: 6,28
